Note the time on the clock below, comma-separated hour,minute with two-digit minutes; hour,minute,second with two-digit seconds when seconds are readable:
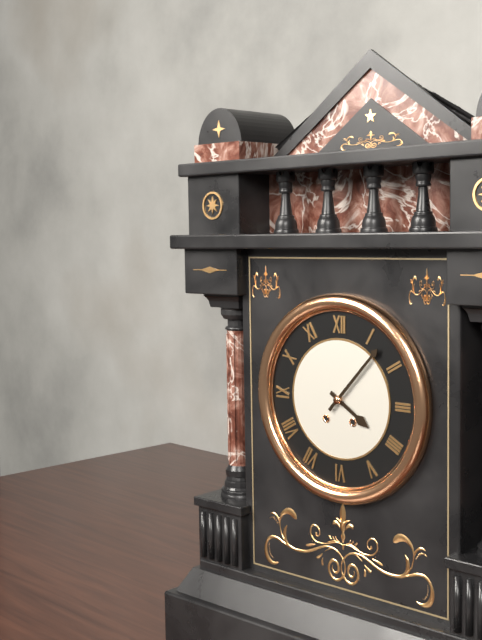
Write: 4,07
